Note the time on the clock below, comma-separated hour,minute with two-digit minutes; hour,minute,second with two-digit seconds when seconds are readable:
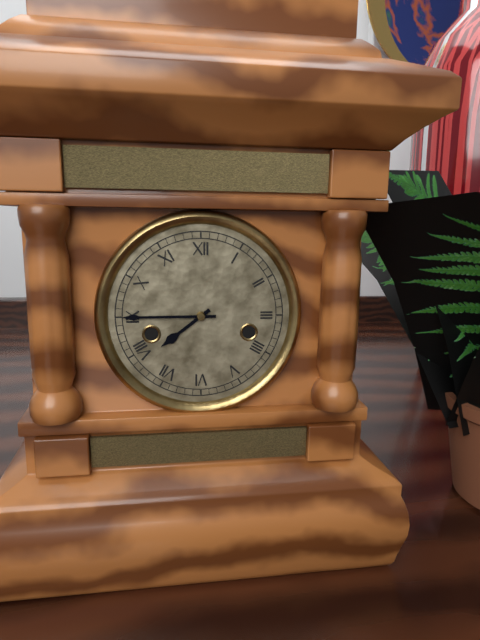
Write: 7,45
